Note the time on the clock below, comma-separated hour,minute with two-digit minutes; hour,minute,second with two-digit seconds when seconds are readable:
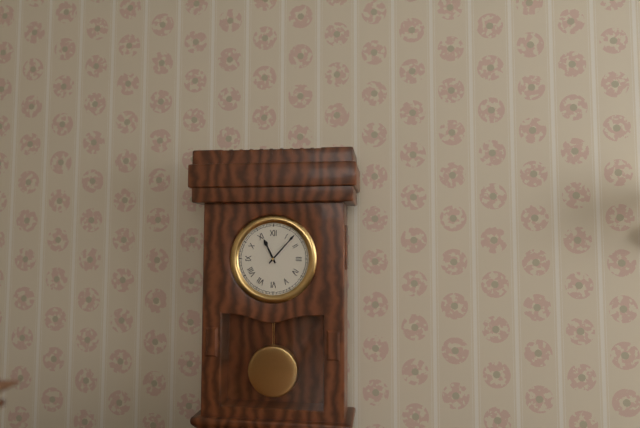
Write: 11,07
